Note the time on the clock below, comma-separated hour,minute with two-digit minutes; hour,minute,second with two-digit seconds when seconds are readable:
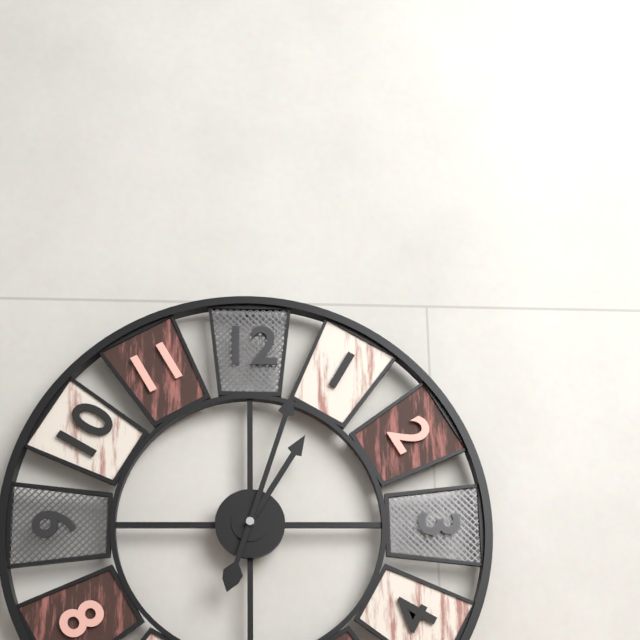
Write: 1,03
